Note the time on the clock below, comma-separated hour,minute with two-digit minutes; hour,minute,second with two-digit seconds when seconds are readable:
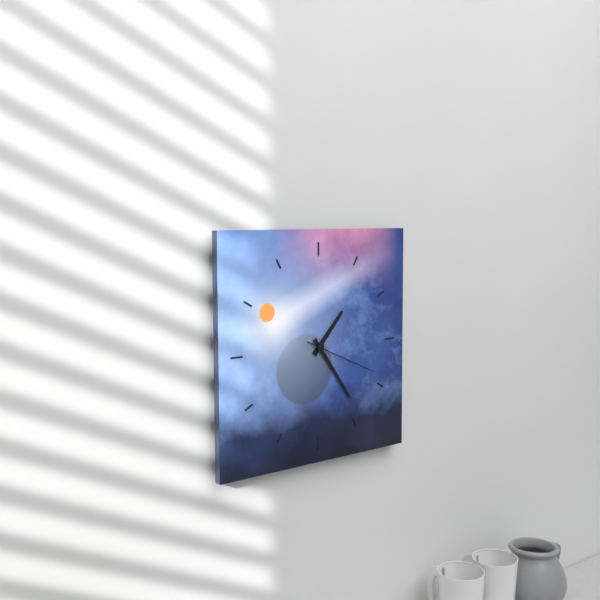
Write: 1,24,19
